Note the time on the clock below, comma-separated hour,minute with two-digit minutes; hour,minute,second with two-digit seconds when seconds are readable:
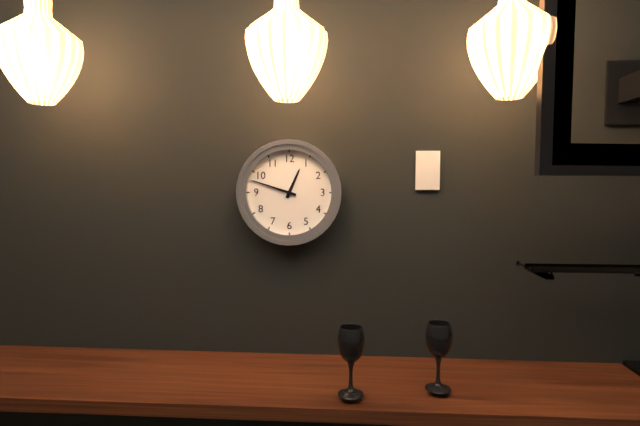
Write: 12,48
